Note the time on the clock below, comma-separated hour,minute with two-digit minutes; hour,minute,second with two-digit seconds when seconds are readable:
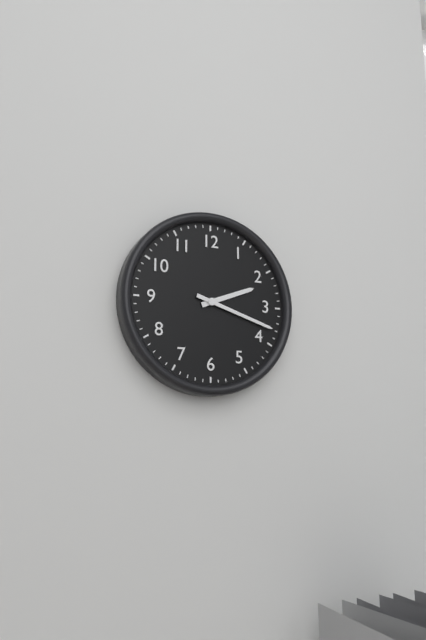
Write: 2,18
